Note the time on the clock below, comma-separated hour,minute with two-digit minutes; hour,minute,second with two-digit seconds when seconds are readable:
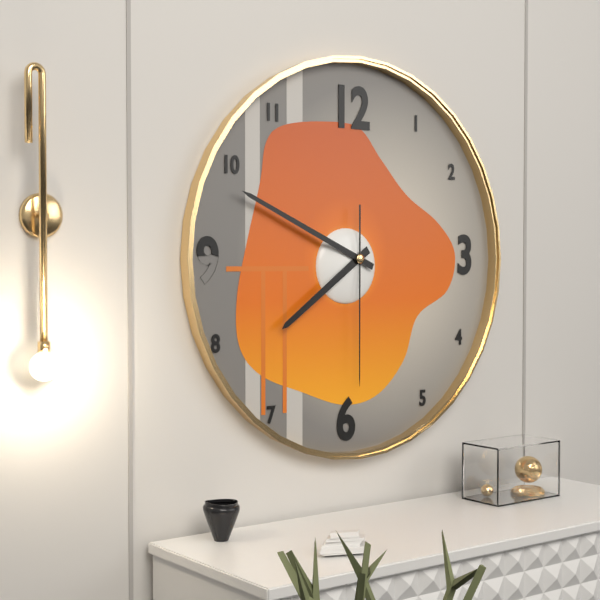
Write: 7,49,30
